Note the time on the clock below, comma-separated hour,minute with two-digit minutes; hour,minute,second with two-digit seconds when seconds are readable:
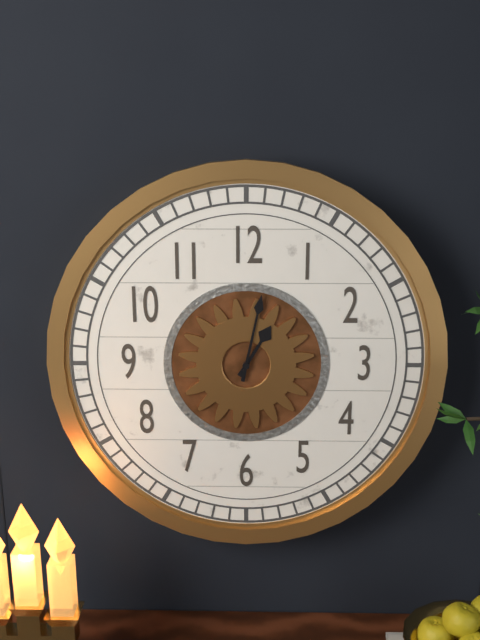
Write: 1,02
